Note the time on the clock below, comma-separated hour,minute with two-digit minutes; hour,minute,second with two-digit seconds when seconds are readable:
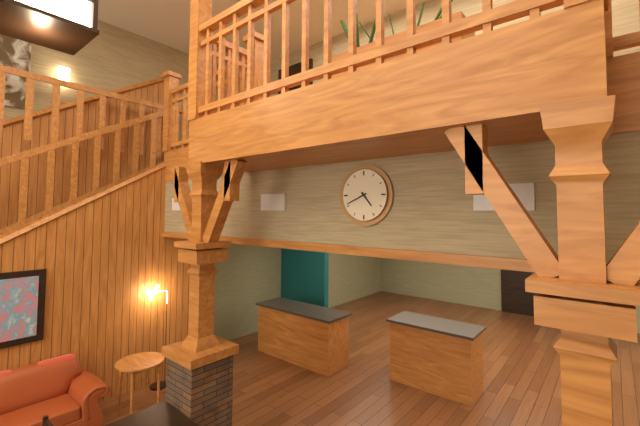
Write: 4,41
